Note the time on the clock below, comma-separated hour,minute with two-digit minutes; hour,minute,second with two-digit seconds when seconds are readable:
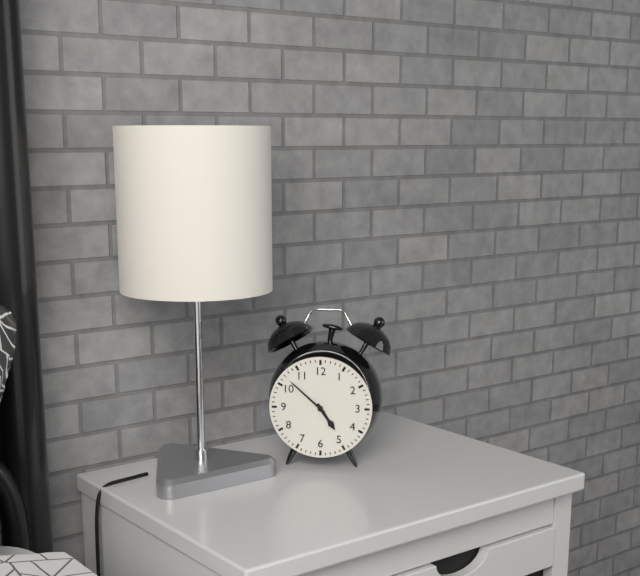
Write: 4,52
